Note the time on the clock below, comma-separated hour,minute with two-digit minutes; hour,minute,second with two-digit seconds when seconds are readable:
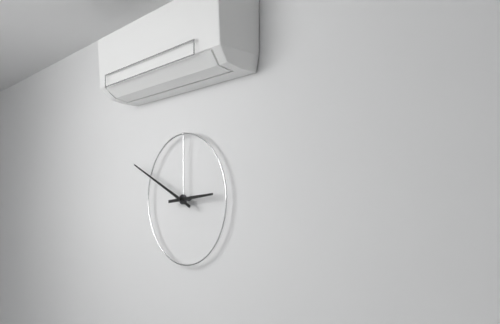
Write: 2,49
